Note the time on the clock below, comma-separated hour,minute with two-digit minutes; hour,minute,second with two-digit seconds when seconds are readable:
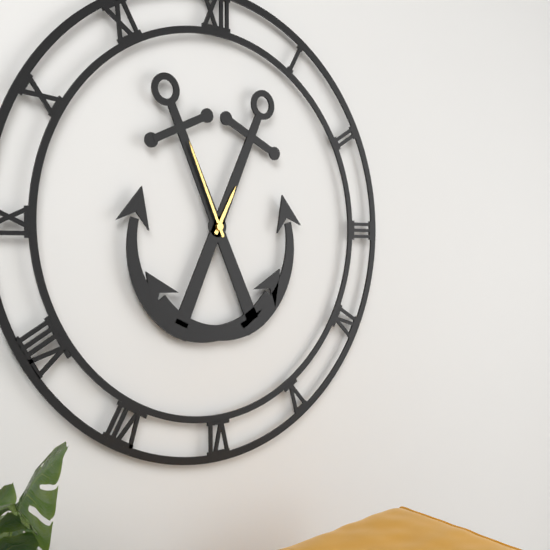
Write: 12,56
